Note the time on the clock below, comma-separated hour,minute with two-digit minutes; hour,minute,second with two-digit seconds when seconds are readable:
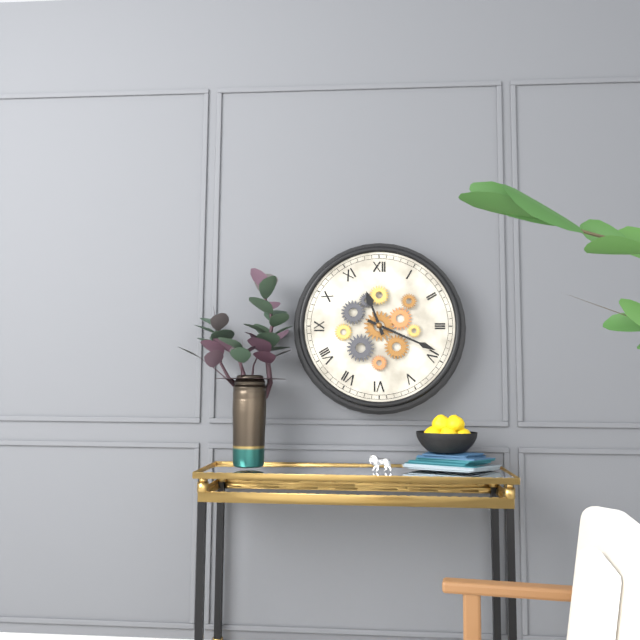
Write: 11,19
